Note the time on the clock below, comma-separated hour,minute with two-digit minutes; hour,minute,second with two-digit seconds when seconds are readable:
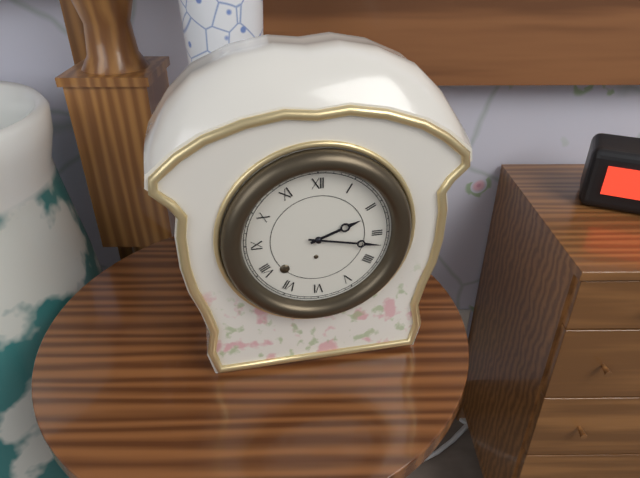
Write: 2,17
